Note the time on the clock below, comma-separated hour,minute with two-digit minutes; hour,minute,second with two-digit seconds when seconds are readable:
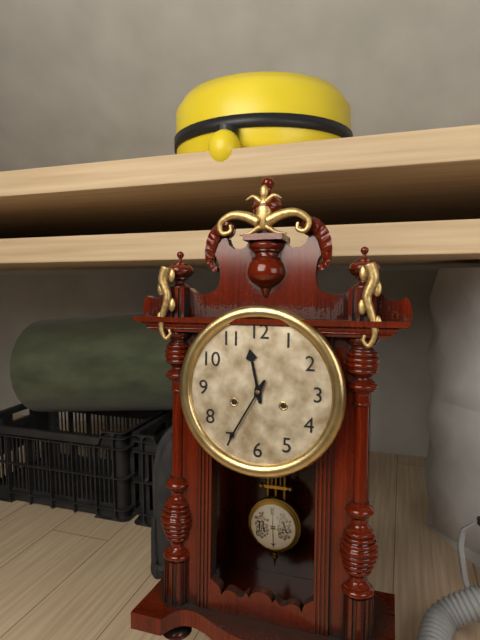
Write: 11,35
